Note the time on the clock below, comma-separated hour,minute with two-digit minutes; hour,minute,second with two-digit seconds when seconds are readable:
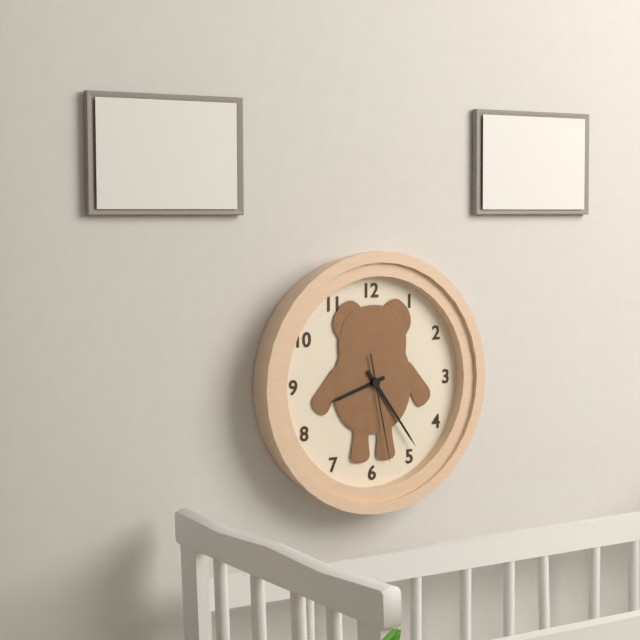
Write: 8,24,28
